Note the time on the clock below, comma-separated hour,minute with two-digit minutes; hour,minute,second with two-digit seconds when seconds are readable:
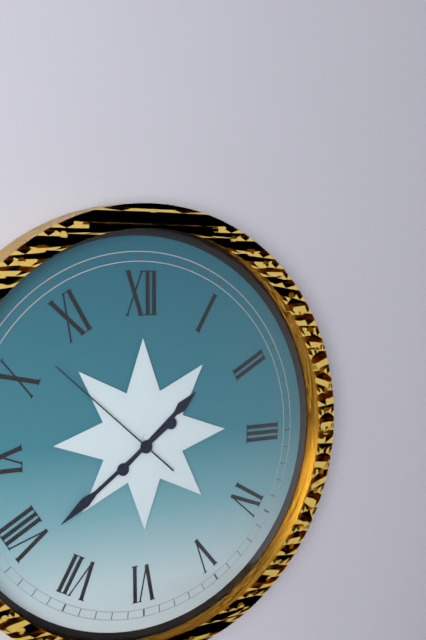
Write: 1,39,52
